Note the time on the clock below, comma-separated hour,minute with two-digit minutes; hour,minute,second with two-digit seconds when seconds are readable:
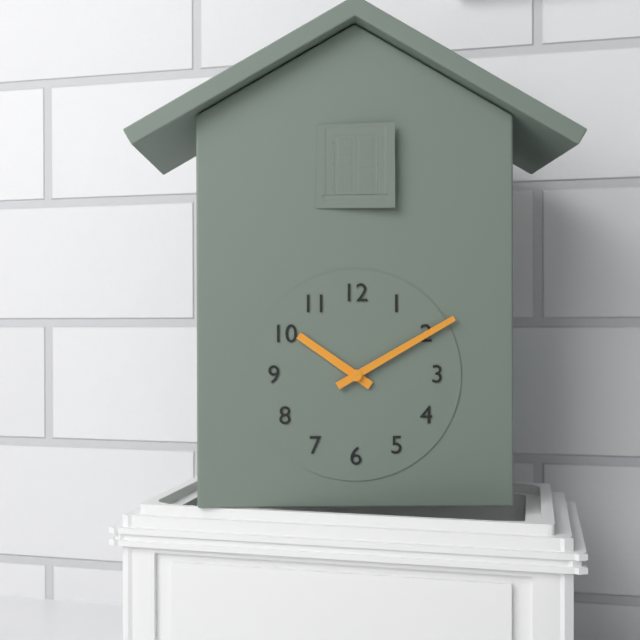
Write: 10,10
